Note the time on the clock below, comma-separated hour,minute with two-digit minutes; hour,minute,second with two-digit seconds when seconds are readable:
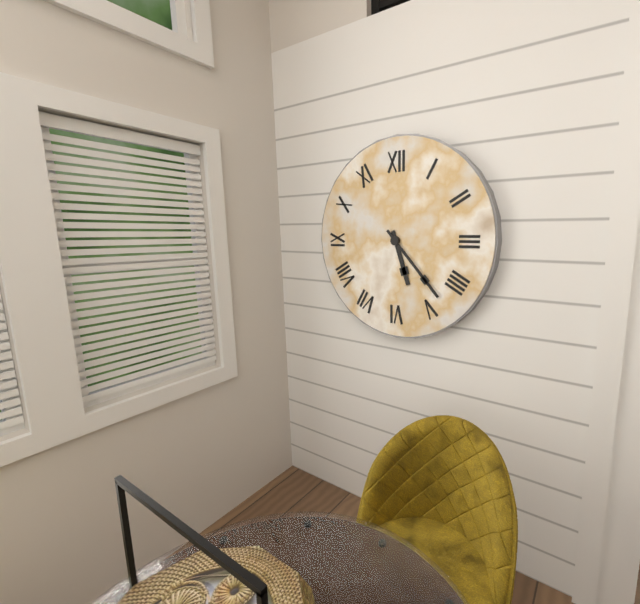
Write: 5,23
